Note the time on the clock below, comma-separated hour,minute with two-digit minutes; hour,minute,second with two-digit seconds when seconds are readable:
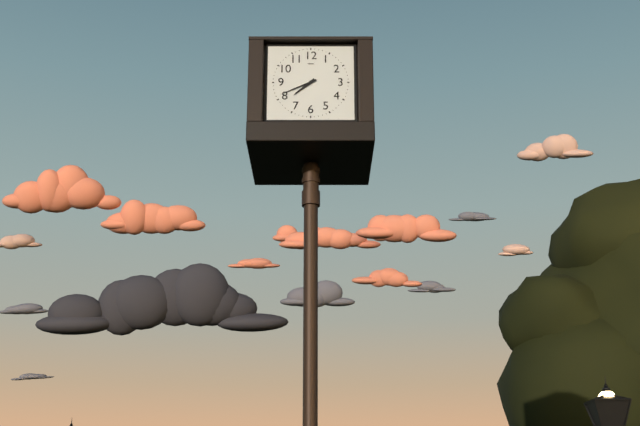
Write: 7,41
